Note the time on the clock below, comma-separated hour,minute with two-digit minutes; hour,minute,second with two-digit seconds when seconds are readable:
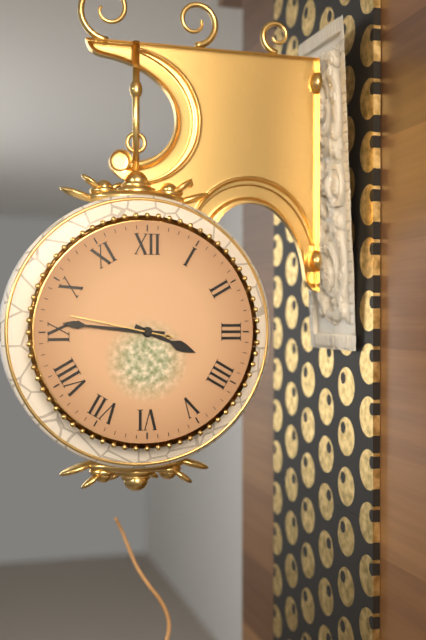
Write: 3,46,47
